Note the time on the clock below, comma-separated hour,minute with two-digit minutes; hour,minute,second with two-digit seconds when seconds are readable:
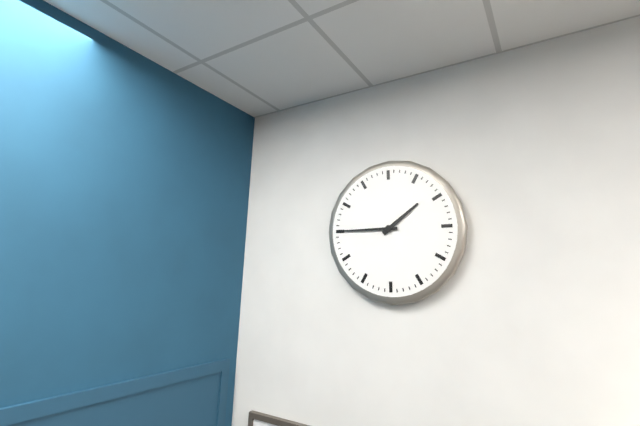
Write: 1,45
